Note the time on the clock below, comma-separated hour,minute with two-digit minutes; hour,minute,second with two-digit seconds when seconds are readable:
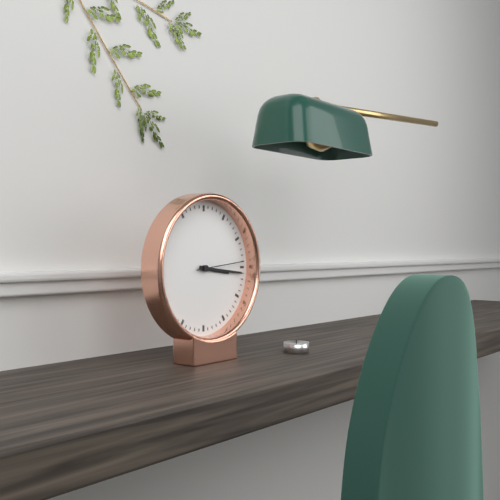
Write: 3,16,14
